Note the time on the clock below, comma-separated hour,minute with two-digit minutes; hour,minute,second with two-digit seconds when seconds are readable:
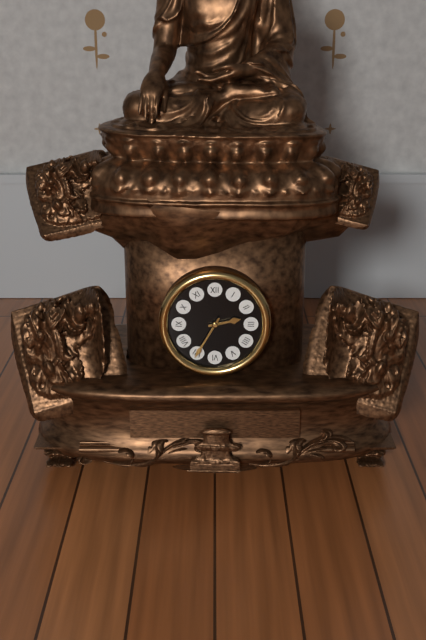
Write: 2,35
